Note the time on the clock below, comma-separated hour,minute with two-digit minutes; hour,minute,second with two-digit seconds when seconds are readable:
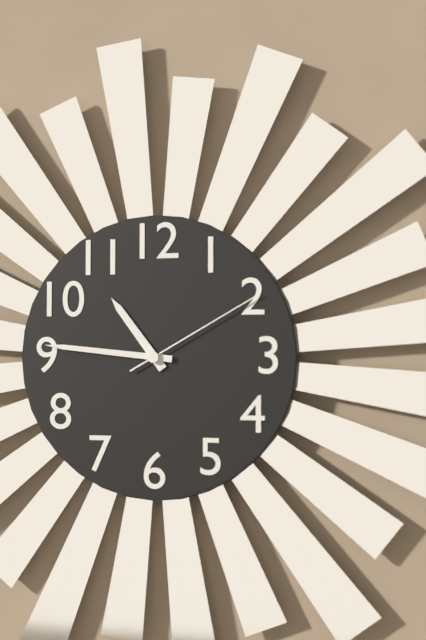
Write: 10,46,10
